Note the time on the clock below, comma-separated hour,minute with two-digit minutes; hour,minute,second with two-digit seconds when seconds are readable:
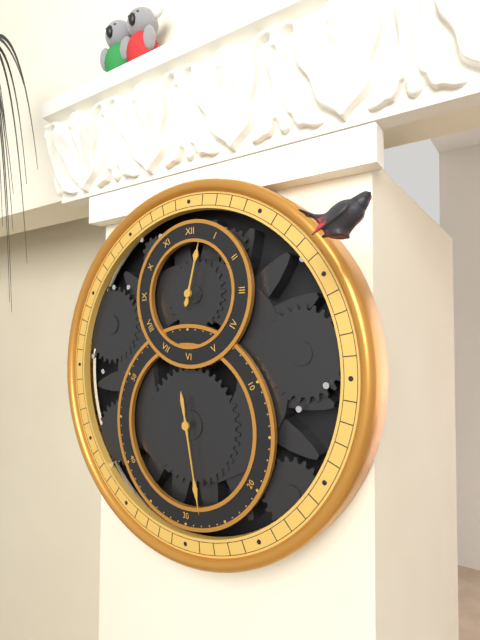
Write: 12,28
